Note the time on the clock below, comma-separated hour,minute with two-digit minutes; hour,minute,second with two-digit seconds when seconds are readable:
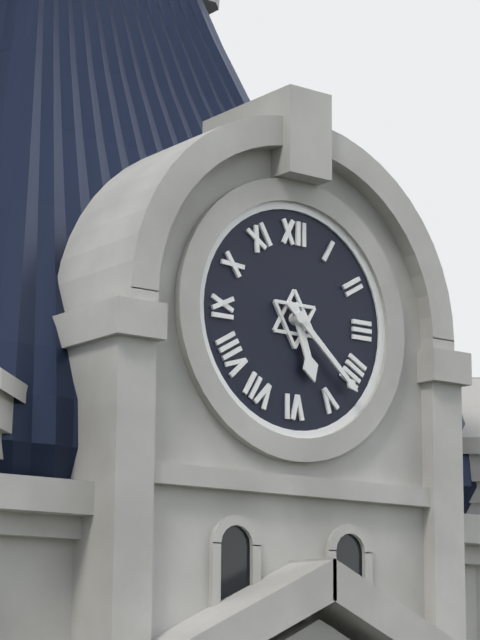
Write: 5,22
